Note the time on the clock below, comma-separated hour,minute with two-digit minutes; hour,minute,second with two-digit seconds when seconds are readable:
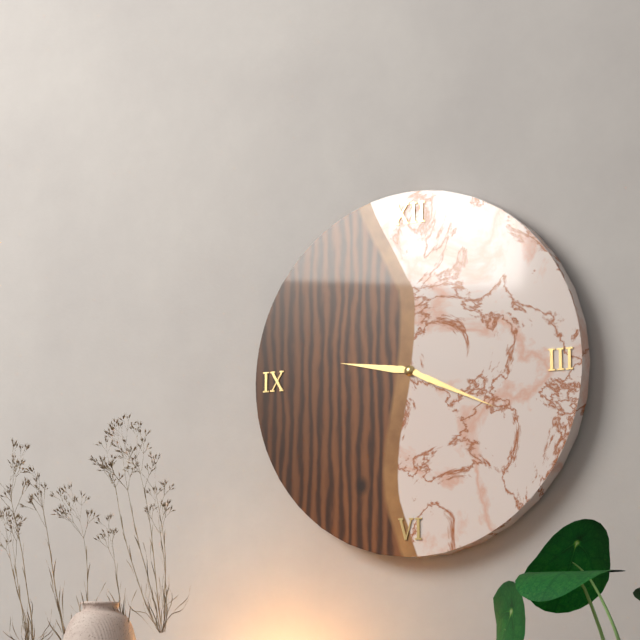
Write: 9,19
